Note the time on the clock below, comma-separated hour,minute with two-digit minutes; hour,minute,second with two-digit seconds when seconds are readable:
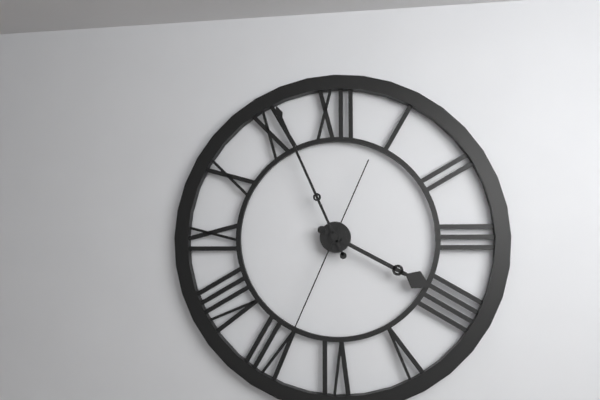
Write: 3,56,34
